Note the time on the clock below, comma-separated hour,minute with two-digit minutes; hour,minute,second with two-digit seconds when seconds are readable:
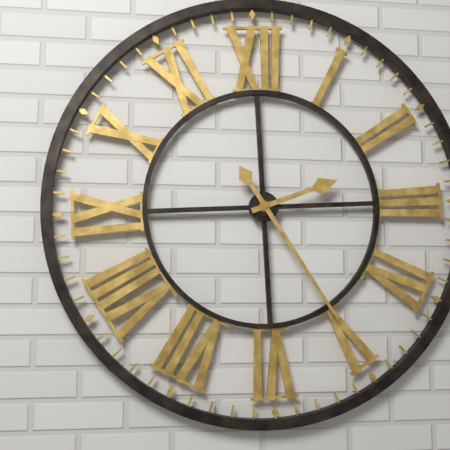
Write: 2,25
